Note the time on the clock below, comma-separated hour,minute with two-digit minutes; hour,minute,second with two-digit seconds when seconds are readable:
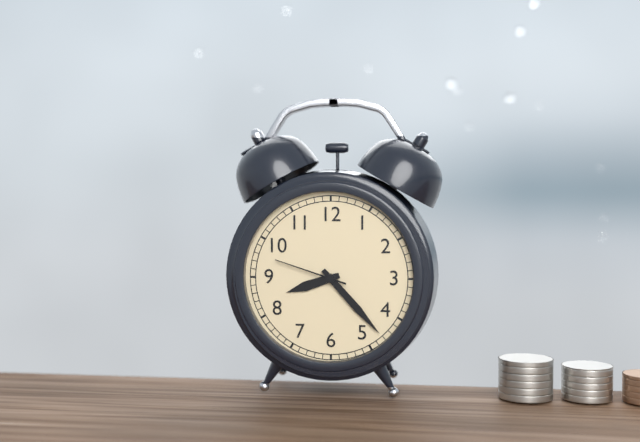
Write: 8,23,48
